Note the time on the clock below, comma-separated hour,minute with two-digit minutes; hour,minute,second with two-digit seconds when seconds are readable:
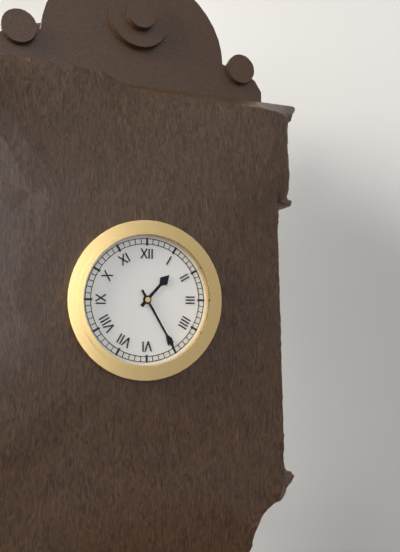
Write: 1,25
